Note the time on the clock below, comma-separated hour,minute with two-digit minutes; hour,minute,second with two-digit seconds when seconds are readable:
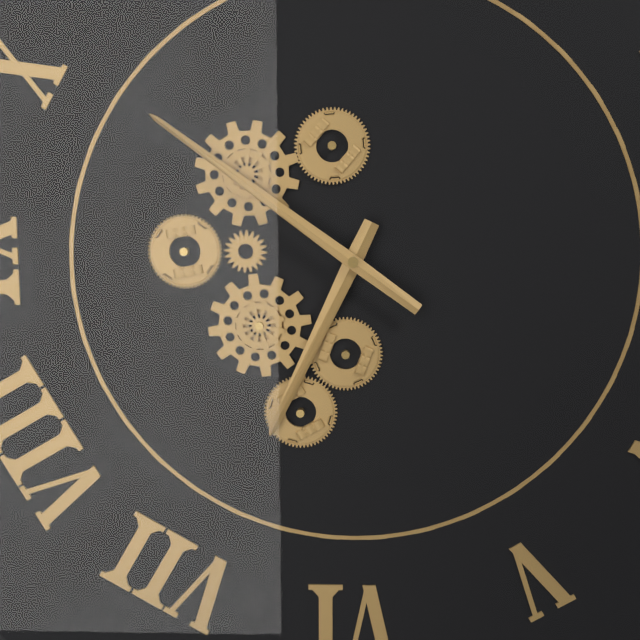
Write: 6,51
